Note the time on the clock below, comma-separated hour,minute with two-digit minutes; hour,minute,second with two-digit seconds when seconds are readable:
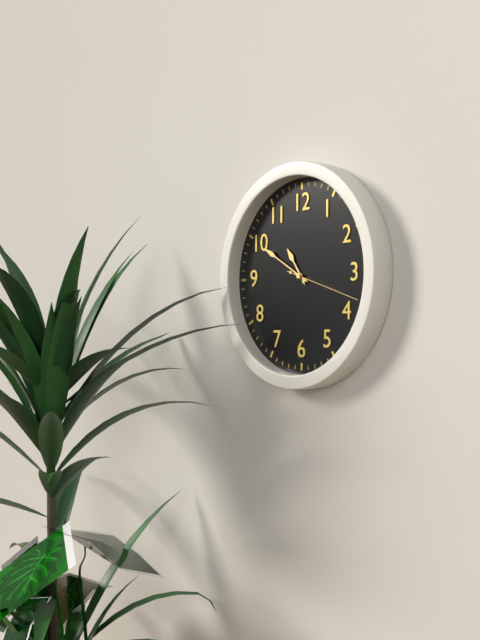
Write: 10,50,18
